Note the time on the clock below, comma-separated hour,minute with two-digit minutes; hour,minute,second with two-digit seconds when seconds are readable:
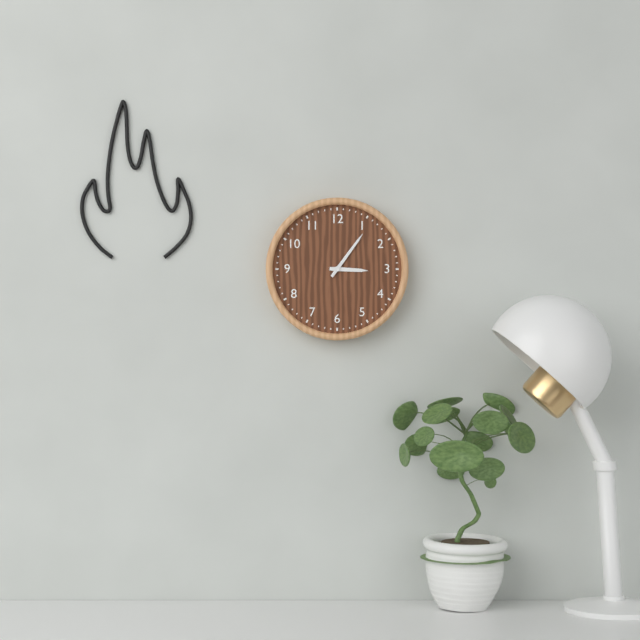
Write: 3,06
